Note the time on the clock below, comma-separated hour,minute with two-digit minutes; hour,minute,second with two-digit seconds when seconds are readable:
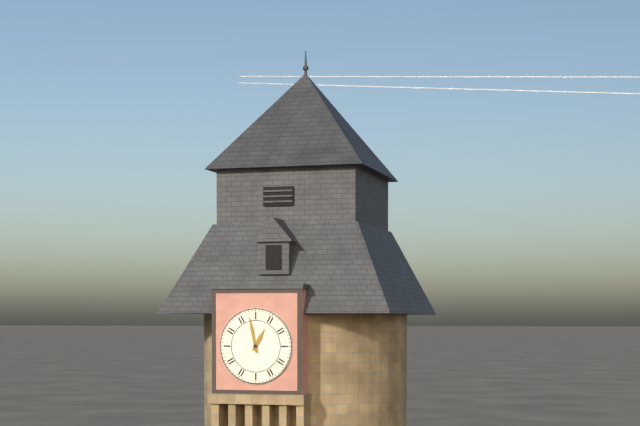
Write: 12,58
